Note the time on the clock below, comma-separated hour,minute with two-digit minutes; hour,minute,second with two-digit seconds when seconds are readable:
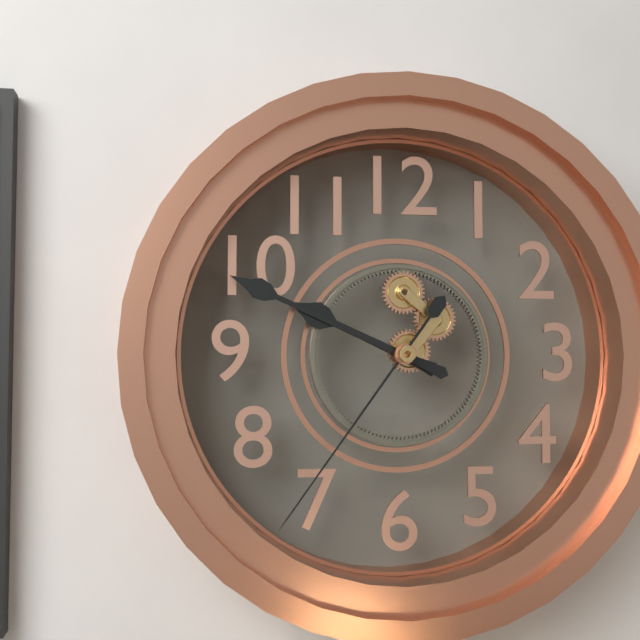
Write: 9,49,36
